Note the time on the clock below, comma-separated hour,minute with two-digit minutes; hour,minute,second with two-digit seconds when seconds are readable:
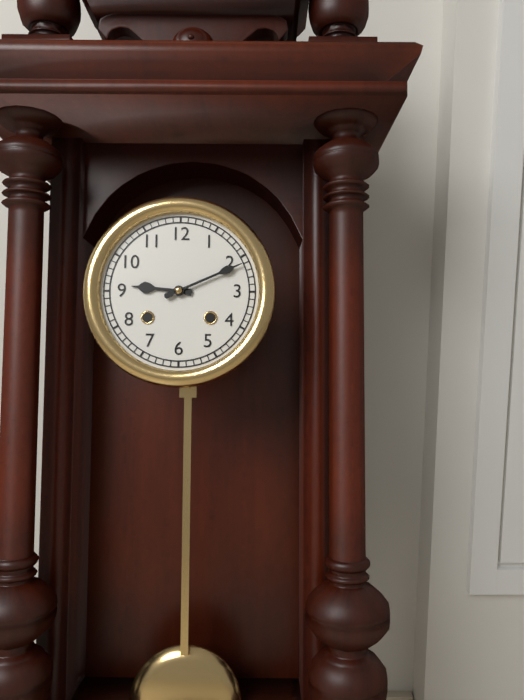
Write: 9,11
